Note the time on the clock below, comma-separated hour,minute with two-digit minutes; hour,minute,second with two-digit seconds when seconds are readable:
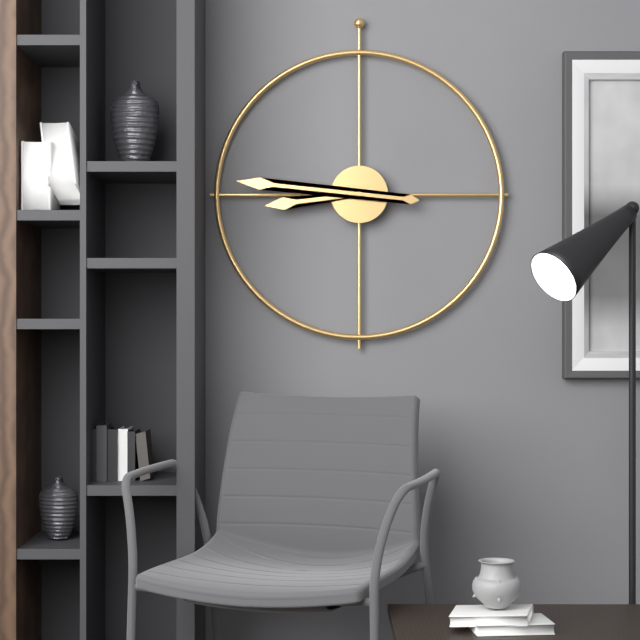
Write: 8,46
